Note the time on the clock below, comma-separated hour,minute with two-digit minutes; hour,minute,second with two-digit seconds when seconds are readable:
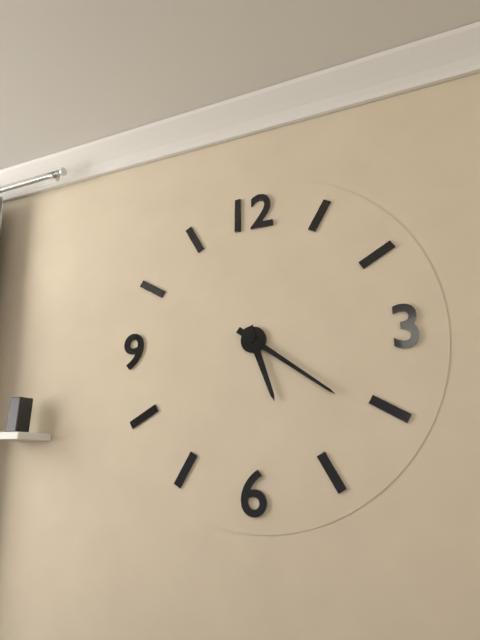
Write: 5,21
